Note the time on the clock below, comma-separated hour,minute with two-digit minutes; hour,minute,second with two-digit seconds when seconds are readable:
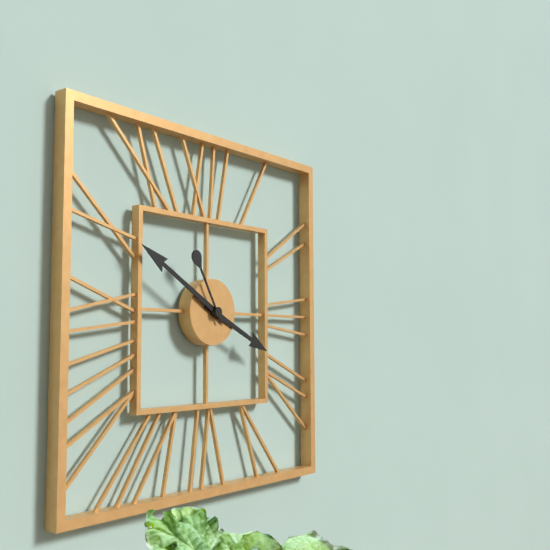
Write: 3,50,55
